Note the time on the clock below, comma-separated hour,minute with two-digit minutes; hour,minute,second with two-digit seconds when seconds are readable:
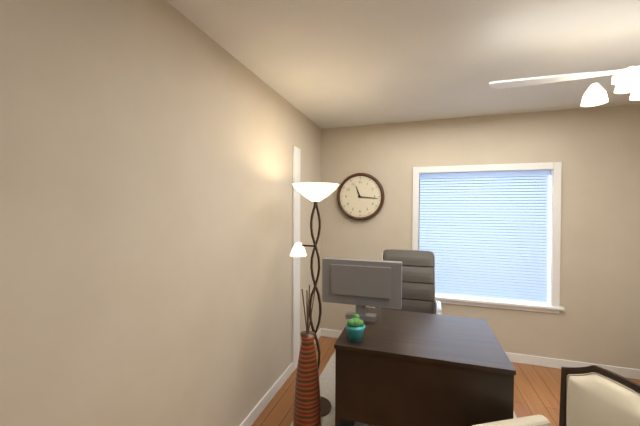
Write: 11,16
